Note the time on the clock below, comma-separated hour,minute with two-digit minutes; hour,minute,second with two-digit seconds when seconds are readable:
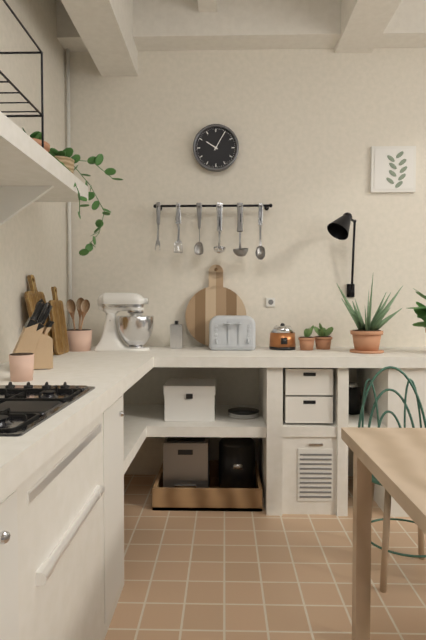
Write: 10,05
